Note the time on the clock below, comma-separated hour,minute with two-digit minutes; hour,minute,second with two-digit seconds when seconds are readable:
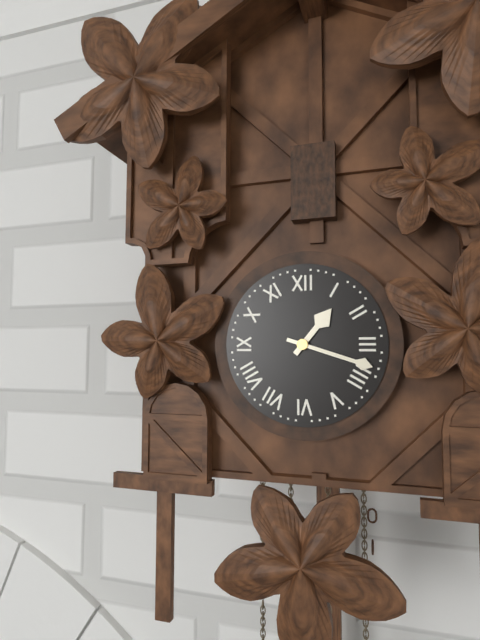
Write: 1,18
